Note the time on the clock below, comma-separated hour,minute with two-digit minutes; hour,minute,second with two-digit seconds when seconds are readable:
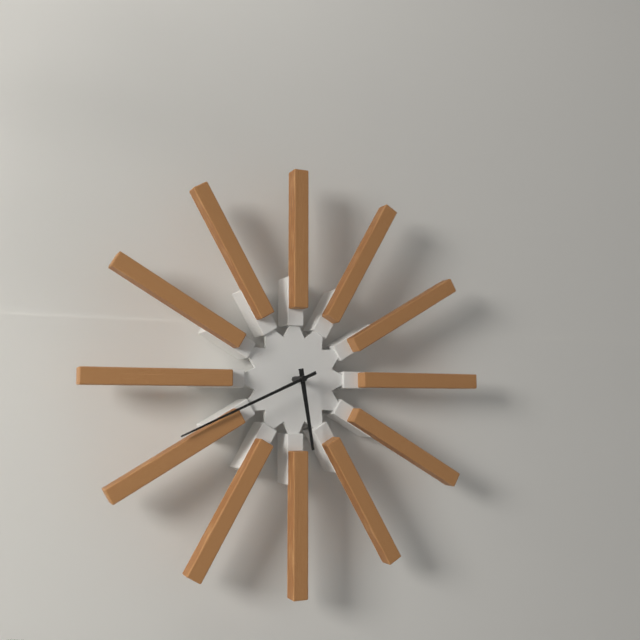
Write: 5,41
